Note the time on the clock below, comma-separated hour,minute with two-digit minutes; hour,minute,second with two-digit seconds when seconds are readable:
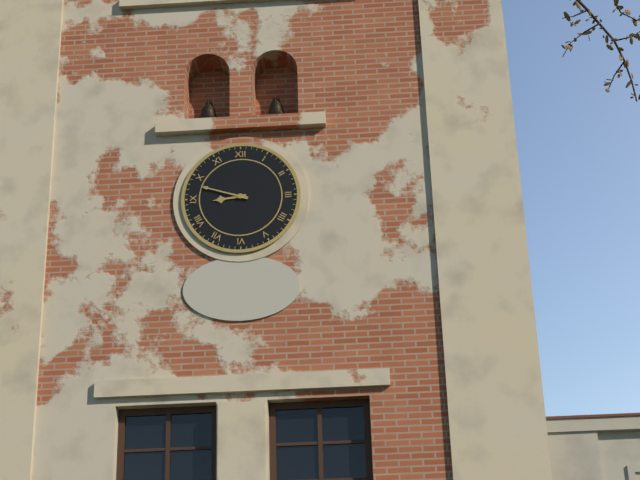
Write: 8,48
